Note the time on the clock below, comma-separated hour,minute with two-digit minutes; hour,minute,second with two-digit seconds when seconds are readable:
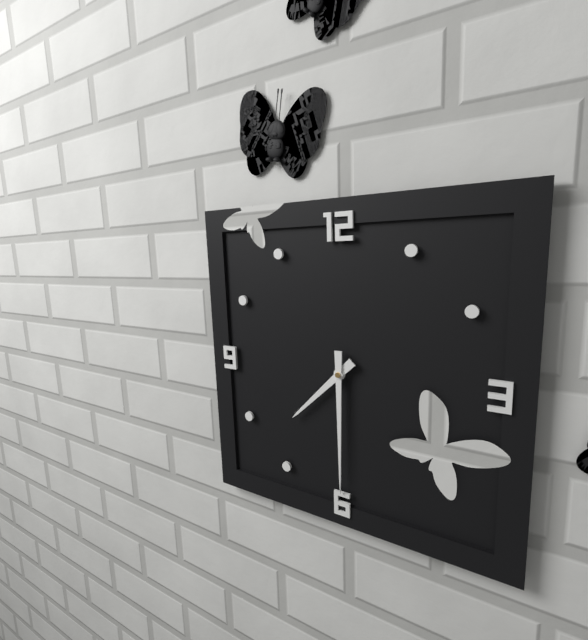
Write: 7,30
